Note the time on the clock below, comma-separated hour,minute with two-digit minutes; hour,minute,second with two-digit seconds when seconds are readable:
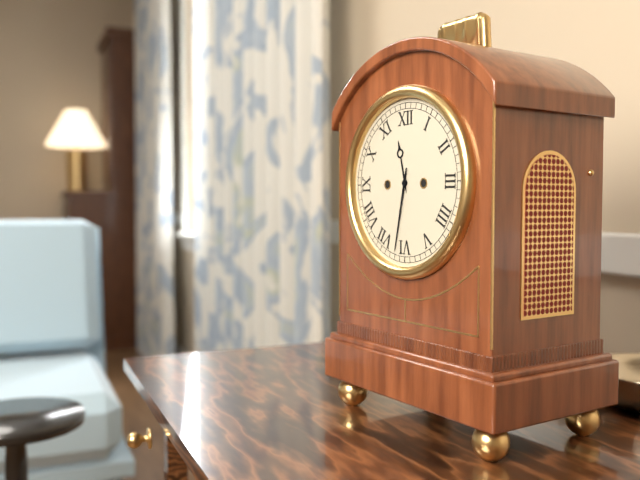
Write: 11,32
